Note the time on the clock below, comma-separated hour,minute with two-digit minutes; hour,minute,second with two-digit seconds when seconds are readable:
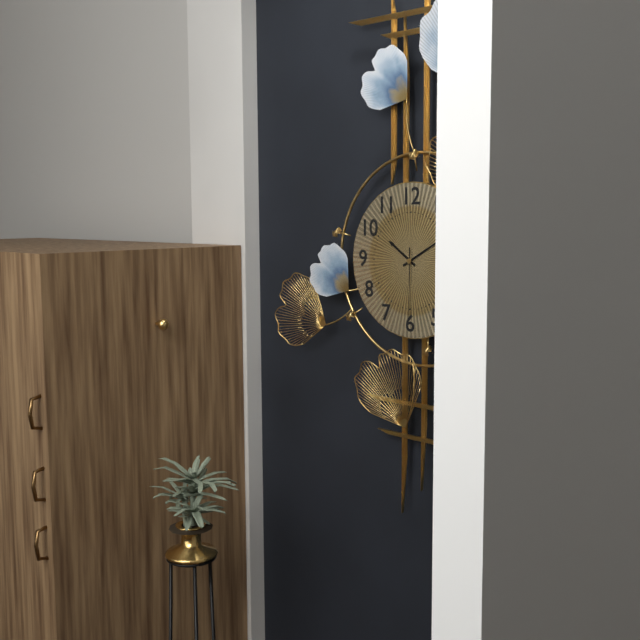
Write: 10,10,30
